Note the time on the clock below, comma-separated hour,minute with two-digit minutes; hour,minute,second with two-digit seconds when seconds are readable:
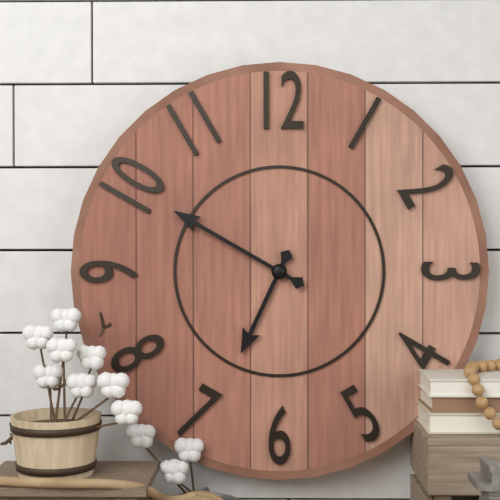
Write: 6,50
